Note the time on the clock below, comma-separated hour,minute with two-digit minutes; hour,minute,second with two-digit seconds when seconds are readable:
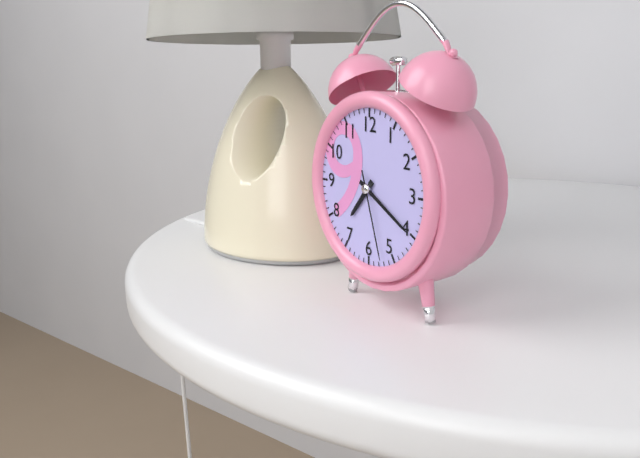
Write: 7,20,27
